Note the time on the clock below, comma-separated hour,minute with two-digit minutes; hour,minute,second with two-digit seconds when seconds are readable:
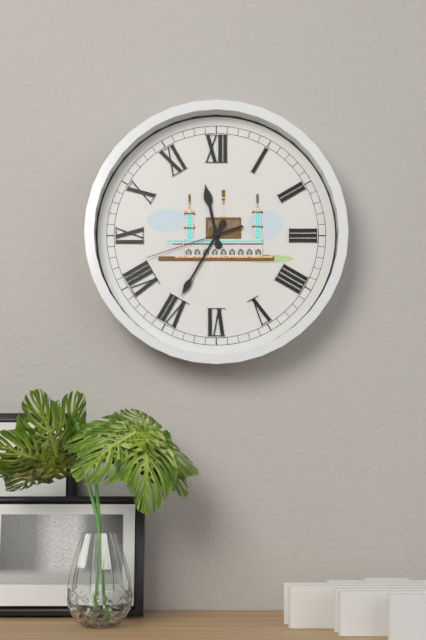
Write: 11,35,42
